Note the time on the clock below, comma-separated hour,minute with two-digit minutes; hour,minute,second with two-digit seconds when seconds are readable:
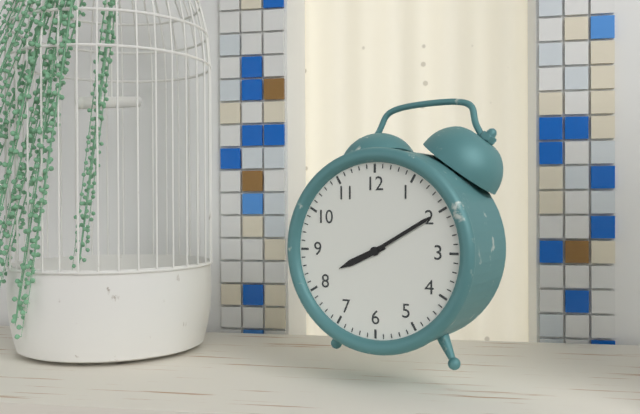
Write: 8,10
